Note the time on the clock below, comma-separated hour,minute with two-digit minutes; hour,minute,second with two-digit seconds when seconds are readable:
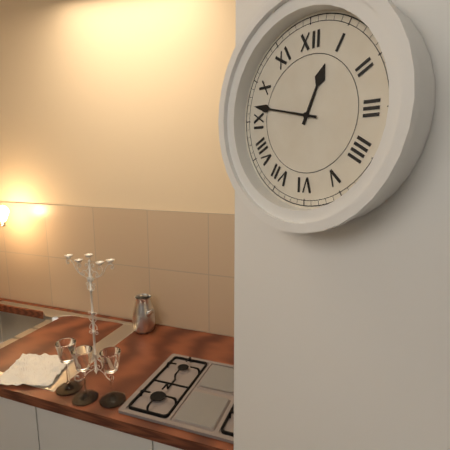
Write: 12,47
